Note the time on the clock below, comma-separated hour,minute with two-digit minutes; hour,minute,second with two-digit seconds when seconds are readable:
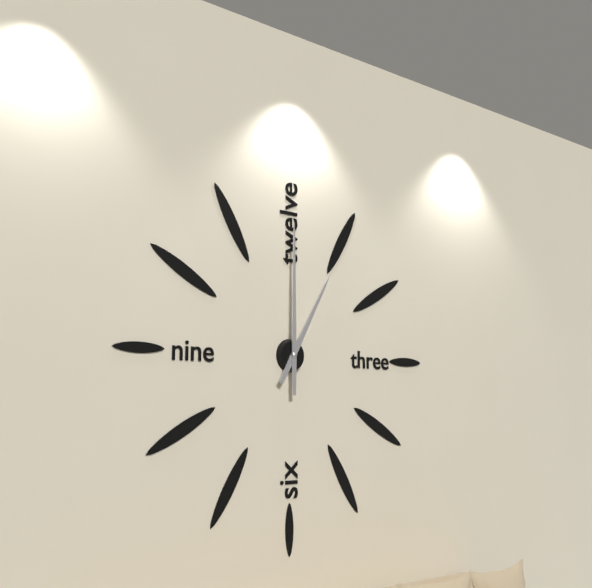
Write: 1,00
